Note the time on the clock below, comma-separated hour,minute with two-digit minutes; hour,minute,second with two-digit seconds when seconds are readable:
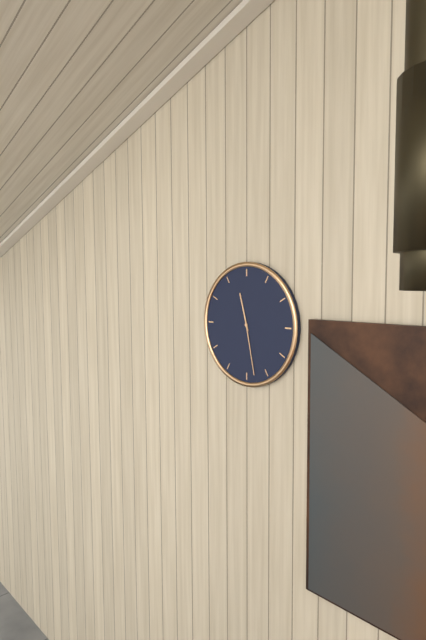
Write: 11,28
